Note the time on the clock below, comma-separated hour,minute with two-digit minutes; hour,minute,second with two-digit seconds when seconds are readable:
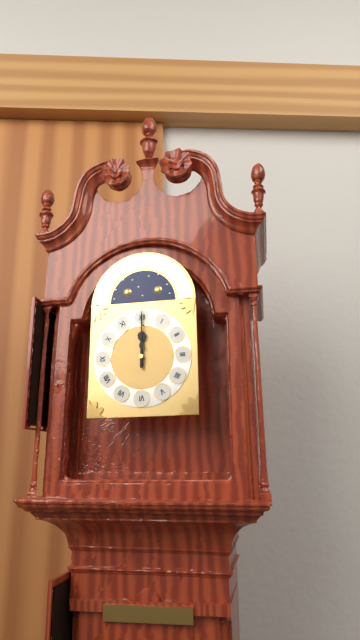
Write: 12,00
